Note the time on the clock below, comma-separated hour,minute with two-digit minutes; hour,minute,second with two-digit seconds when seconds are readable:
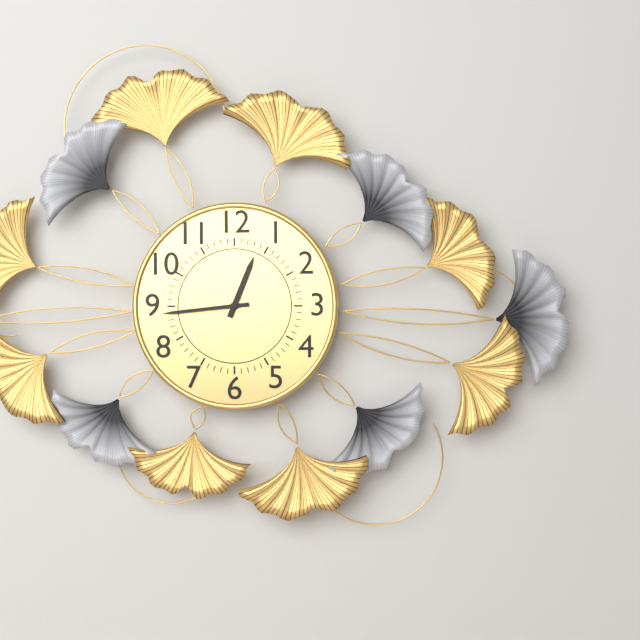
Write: 12,44
